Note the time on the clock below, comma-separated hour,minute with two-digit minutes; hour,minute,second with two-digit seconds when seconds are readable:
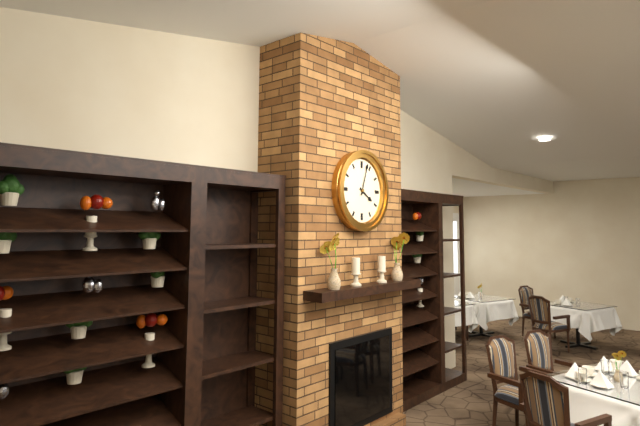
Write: 4,03
